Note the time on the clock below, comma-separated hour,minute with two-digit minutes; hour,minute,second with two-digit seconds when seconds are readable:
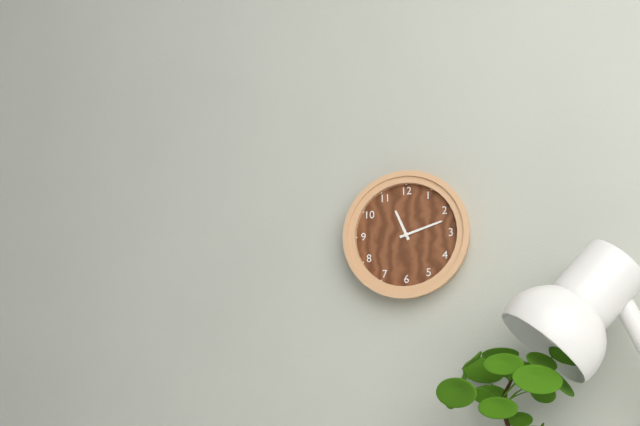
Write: 11,12
